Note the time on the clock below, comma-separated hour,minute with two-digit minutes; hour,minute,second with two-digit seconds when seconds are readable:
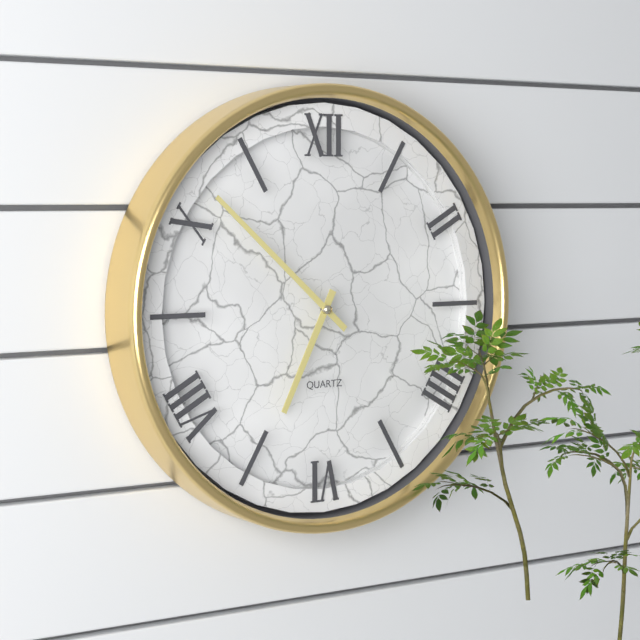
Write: 6,52
